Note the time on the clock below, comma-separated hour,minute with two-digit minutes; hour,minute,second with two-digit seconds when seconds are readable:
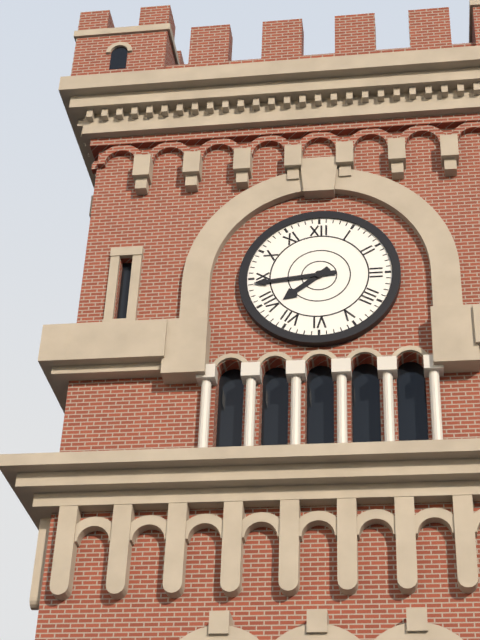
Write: 7,44
